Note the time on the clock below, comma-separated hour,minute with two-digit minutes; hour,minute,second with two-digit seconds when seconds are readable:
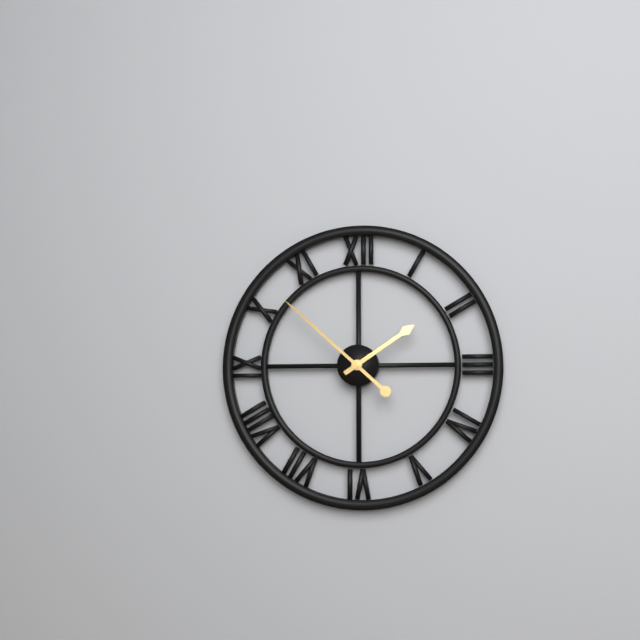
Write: 1,52
